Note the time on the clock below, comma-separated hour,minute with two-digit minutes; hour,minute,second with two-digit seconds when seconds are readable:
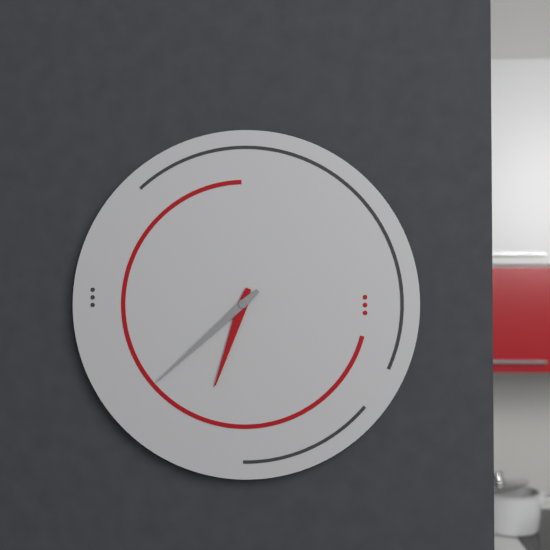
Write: 6,38
